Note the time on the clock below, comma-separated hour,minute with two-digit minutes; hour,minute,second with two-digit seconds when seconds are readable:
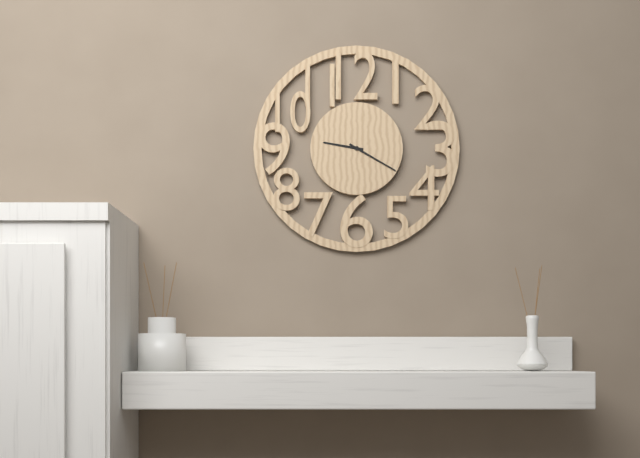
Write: 9,20
